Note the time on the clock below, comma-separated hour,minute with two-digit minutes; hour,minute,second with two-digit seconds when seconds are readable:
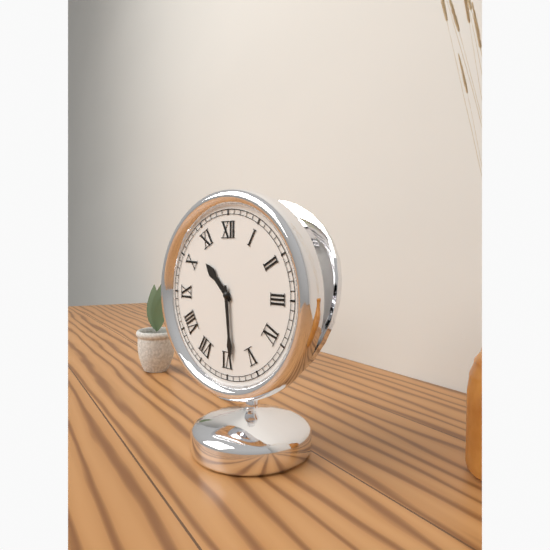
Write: 10,29
